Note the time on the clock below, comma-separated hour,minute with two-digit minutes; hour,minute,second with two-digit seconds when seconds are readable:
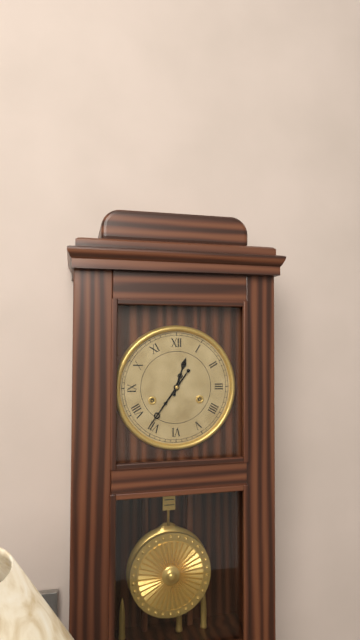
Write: 12,36
